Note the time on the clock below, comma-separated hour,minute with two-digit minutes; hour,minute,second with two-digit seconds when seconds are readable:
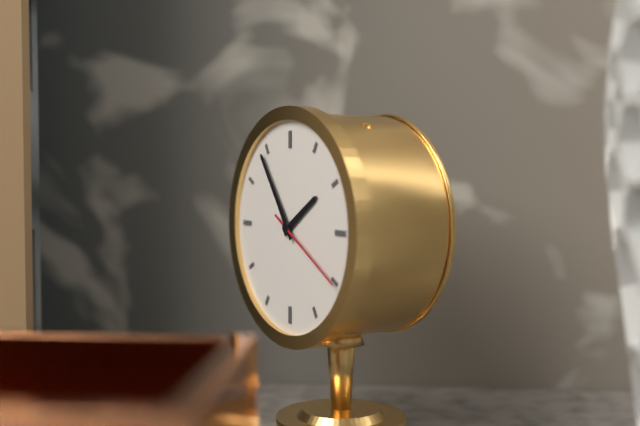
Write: 1,54,20
